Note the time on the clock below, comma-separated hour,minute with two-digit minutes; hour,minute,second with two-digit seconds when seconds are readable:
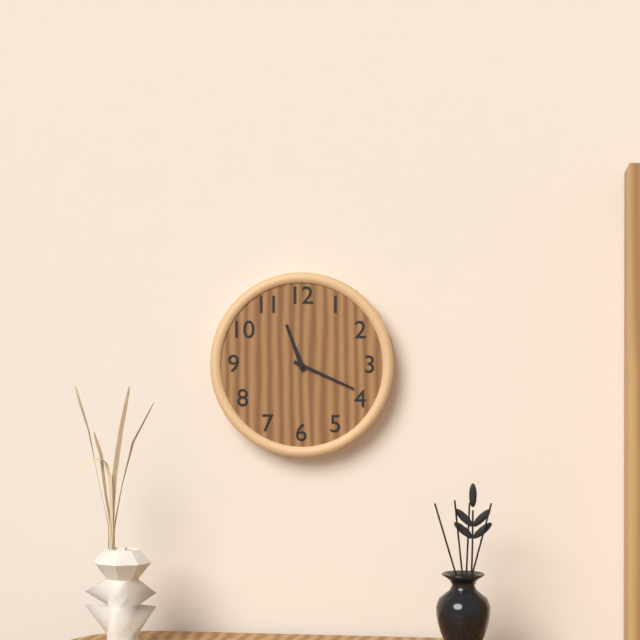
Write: 11,19
